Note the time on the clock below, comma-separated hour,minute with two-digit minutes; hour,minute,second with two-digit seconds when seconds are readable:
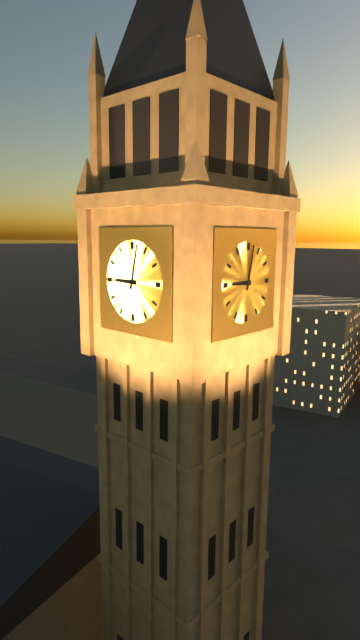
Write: 9,02
